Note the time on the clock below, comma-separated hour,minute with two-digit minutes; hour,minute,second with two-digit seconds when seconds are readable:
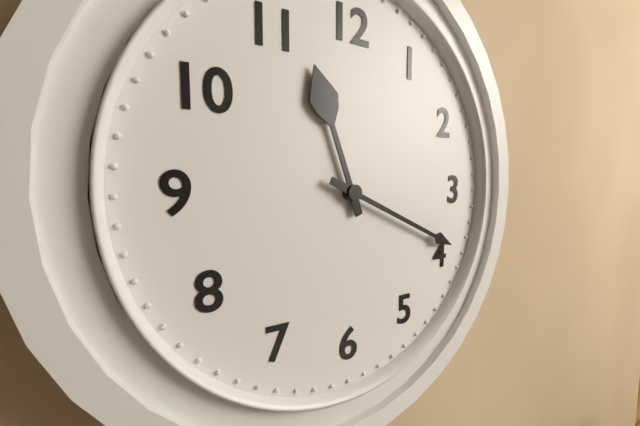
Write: 11,19
